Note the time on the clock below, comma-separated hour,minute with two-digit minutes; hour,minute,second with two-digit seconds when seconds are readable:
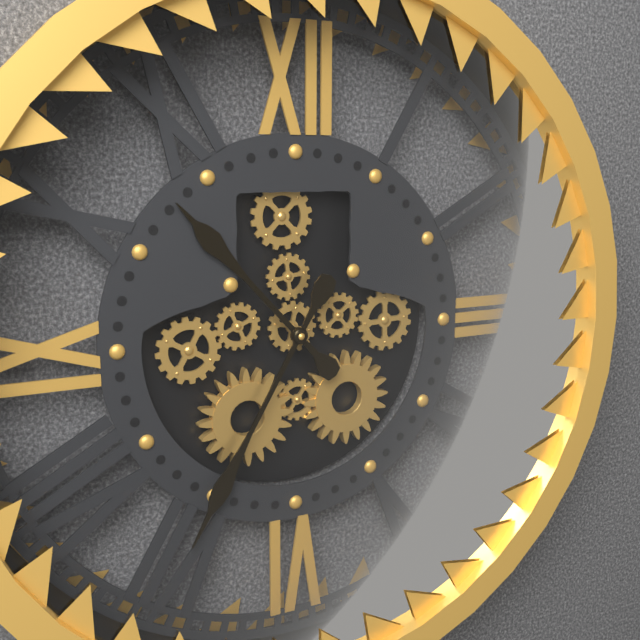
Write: 10,35
